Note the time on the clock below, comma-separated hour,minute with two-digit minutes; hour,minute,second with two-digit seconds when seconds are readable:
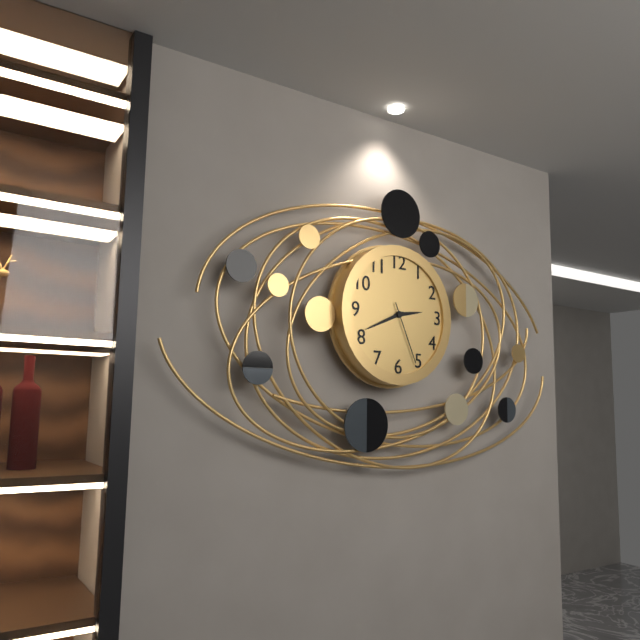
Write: 2,41,26
